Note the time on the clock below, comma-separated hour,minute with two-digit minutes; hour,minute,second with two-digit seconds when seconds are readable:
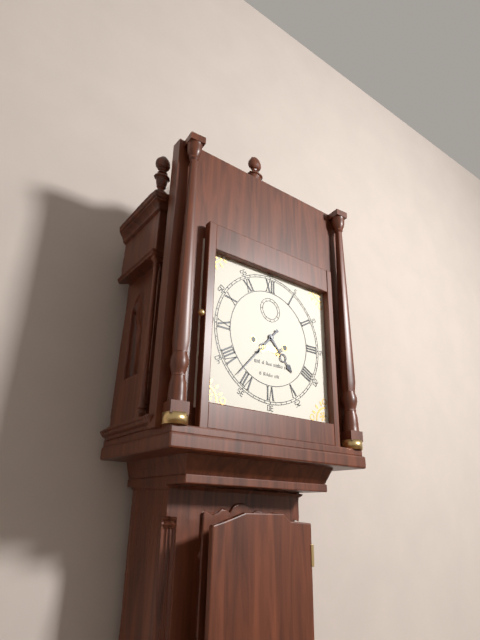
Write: 4,37
